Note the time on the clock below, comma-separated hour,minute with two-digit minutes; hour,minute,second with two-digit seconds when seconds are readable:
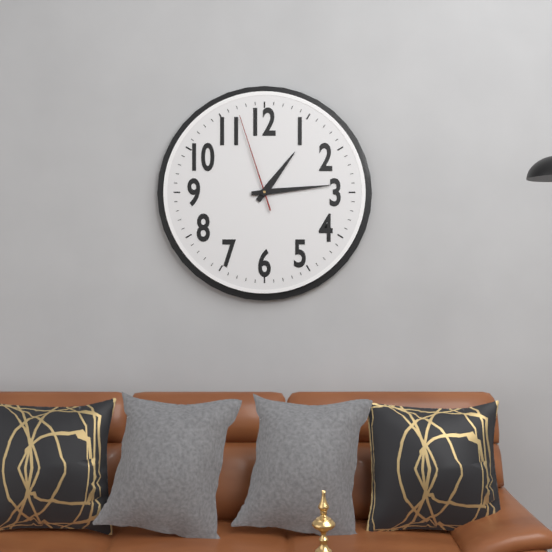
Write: 1,14,57
